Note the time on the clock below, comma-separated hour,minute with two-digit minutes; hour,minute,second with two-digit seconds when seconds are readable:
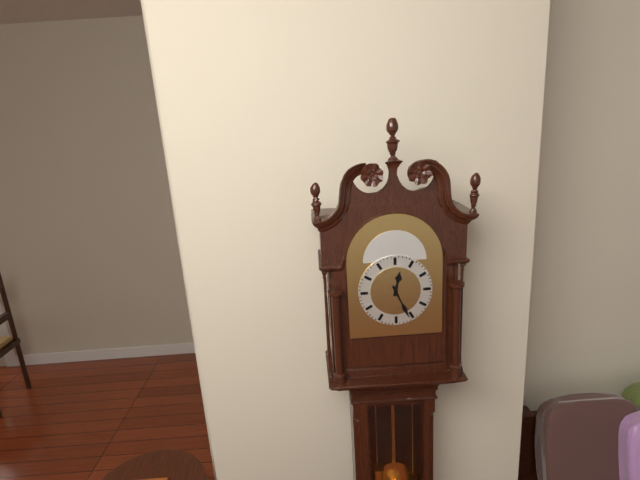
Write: 12,26
